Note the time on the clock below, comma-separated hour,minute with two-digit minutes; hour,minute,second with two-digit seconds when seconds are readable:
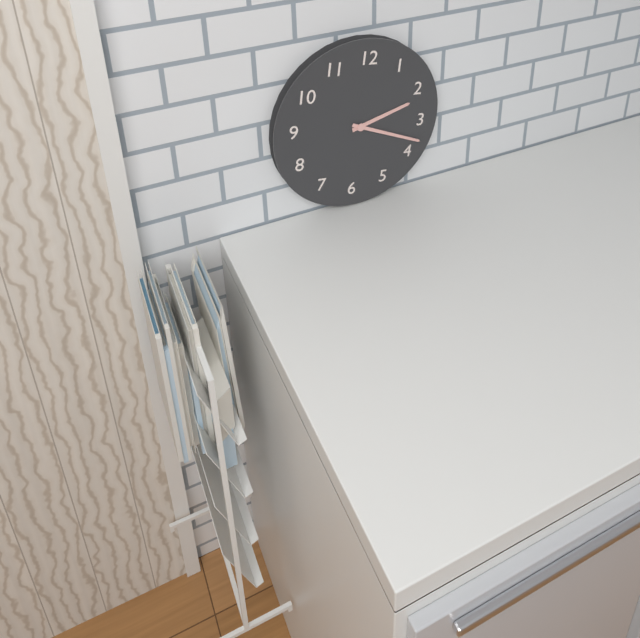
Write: 2,18
